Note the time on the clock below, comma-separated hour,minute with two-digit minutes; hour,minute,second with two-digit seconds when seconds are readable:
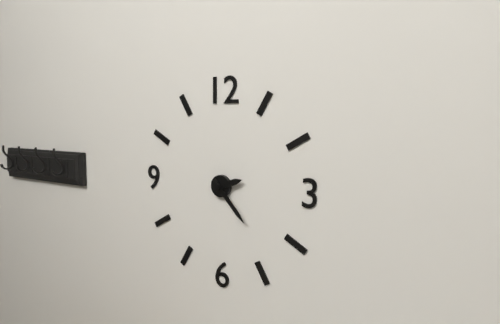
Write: 2,23
